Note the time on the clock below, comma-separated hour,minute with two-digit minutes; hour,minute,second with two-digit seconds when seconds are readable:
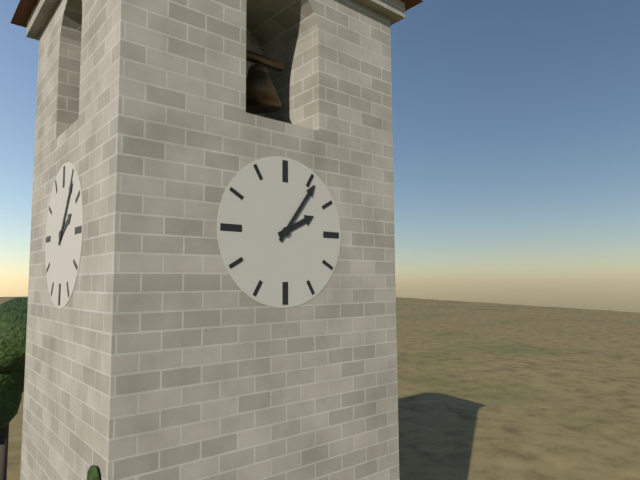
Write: 2,06
